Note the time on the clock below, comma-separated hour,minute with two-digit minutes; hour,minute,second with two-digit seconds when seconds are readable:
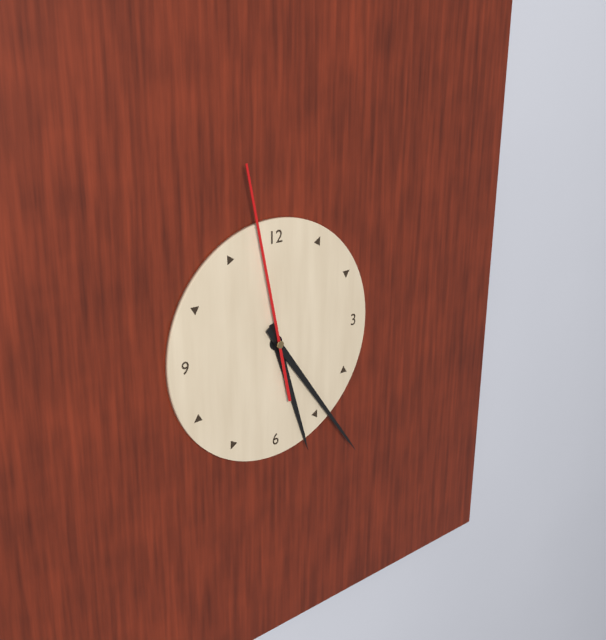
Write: 5,24,58
